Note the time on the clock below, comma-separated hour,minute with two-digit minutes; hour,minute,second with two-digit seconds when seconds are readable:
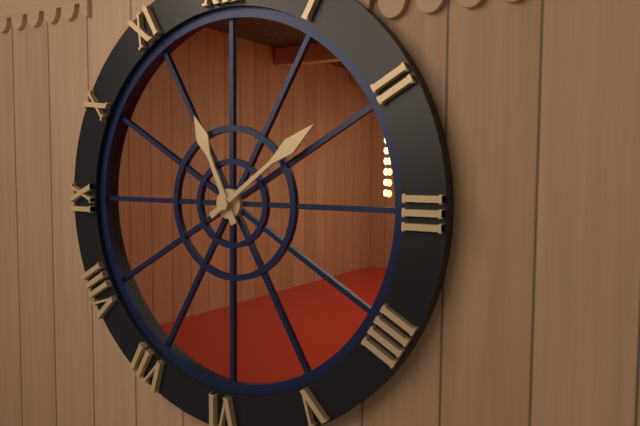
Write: 11,09
